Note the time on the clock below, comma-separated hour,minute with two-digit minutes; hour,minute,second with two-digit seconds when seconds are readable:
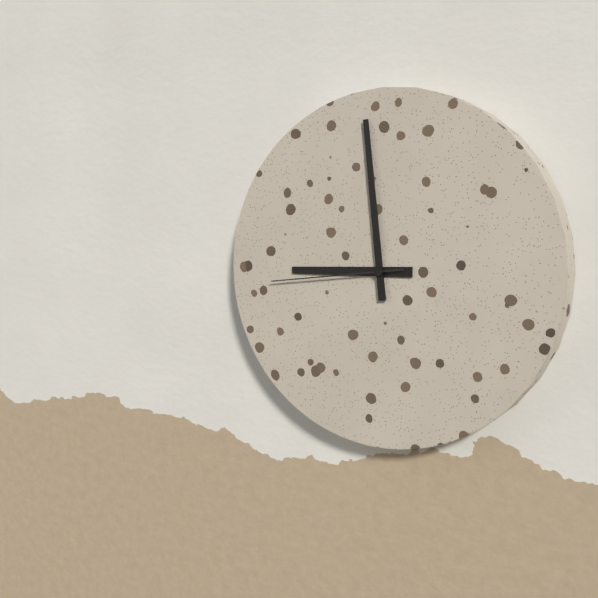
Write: 8,59,44
